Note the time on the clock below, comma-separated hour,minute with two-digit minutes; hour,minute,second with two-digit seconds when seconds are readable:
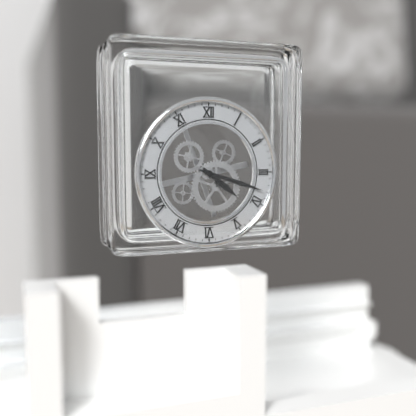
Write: 4,18
